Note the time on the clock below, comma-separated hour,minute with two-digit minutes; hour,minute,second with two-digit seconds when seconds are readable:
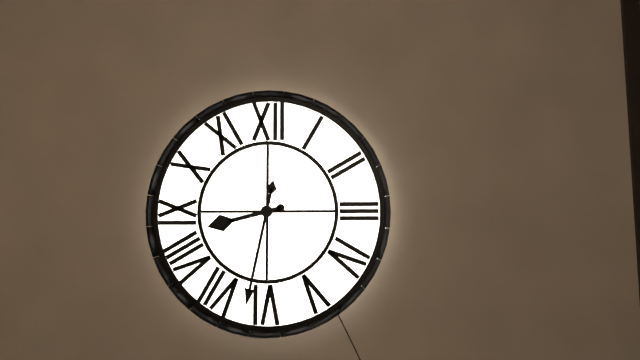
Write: 8,32
